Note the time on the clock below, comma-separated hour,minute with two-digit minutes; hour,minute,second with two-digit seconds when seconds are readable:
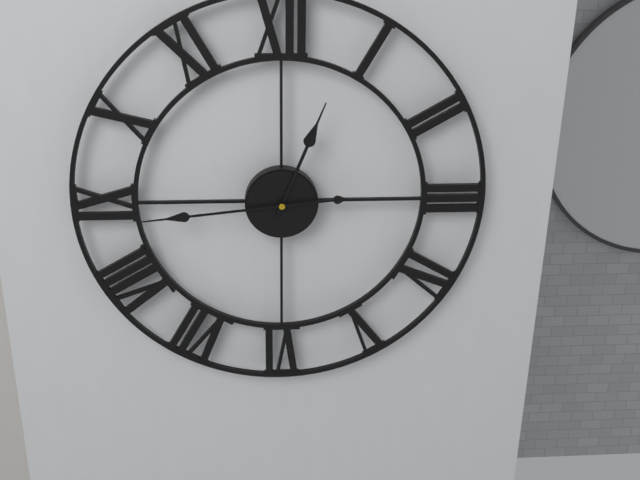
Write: 12,44
